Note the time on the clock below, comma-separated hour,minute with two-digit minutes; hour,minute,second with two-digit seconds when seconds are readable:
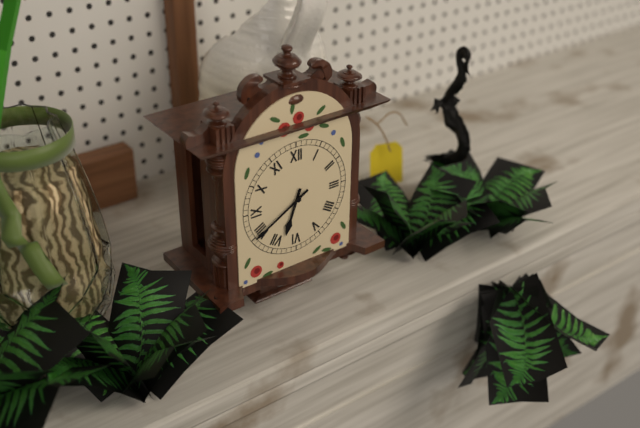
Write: 6,40
